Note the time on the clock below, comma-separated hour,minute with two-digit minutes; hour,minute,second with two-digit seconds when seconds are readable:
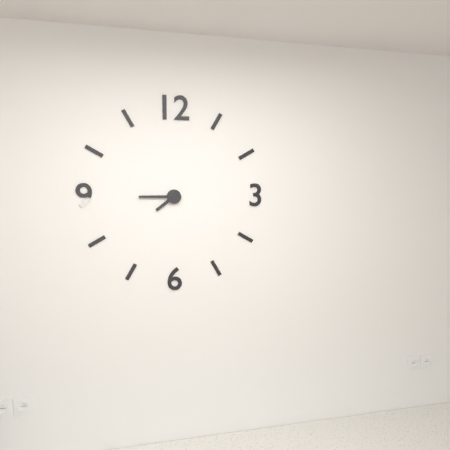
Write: 7,45
